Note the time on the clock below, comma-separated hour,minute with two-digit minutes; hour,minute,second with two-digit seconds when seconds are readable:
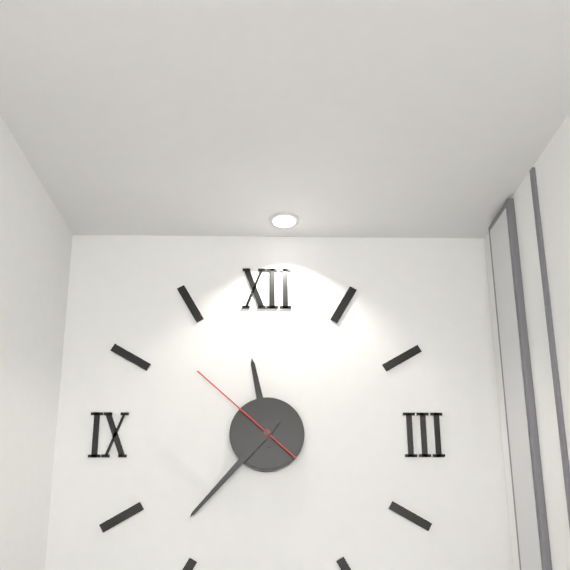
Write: 11,37,52
